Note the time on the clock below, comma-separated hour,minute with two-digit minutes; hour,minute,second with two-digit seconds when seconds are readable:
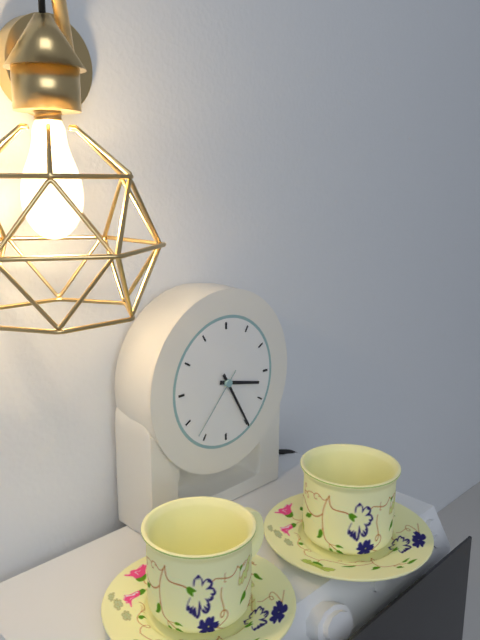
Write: 3,25,37
